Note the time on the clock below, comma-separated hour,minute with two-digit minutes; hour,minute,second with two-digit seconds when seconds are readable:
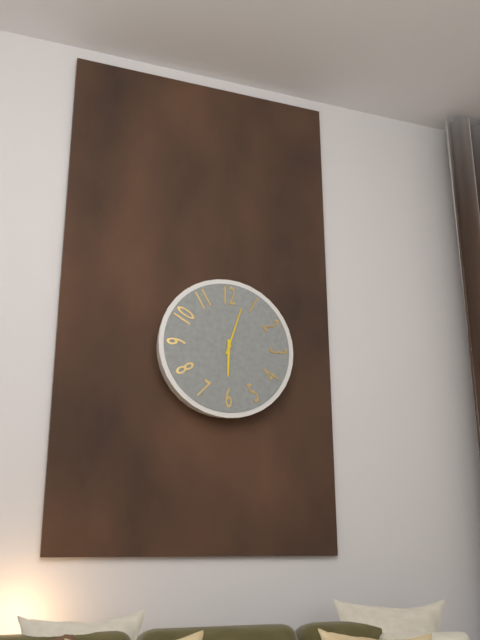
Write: 6,03
